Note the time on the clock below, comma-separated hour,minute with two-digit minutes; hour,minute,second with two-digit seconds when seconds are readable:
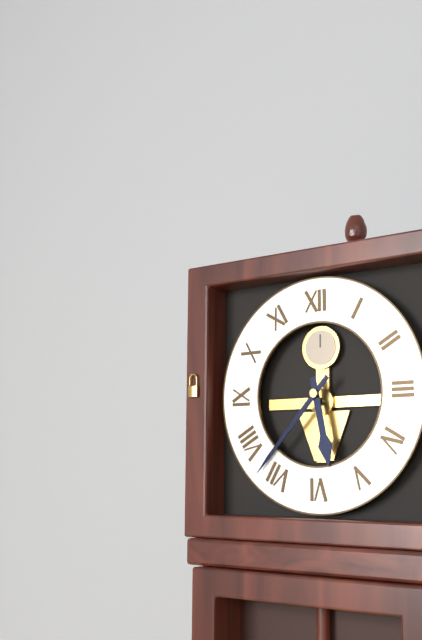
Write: 5,37
